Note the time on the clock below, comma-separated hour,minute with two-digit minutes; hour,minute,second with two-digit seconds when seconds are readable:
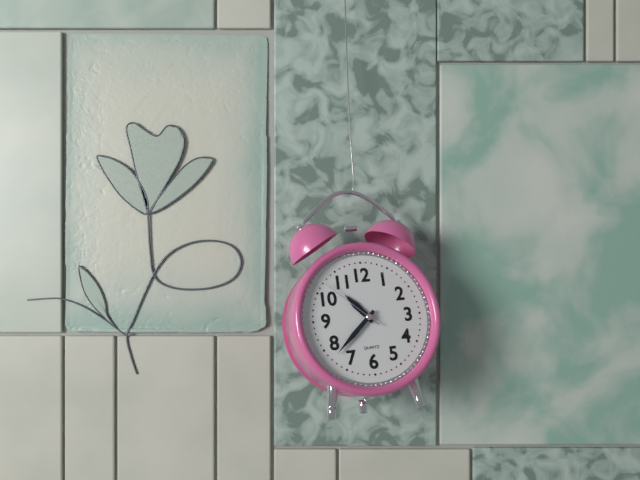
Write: 10,38,52
